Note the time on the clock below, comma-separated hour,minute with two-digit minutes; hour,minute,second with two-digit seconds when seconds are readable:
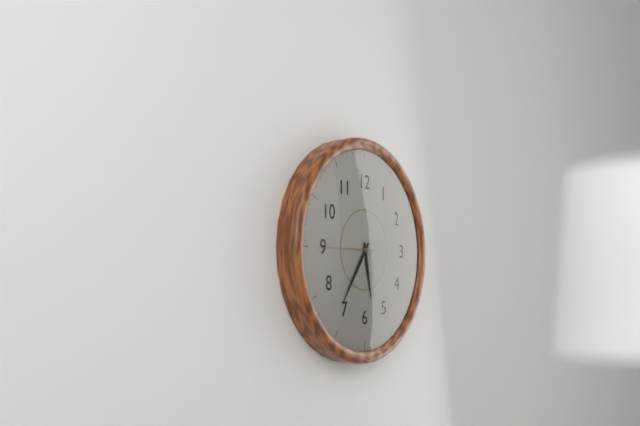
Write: 5,36,45
